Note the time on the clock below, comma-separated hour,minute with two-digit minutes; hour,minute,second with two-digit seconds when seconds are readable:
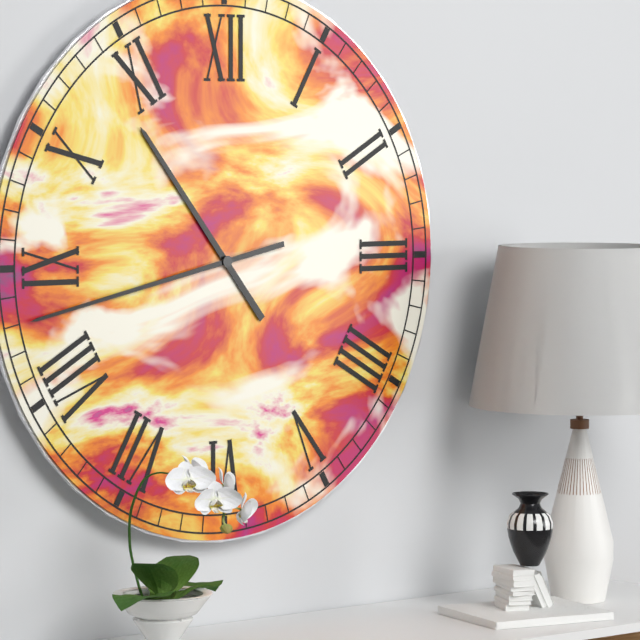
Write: 10,43
